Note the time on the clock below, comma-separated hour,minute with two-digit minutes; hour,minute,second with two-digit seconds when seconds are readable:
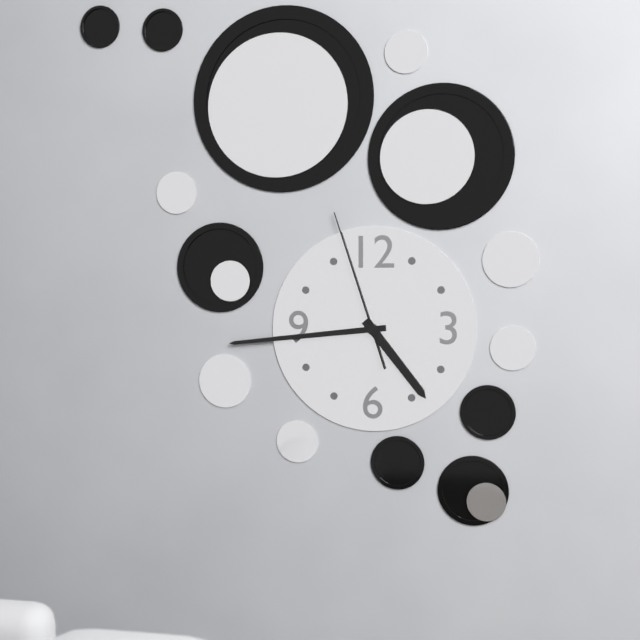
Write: 4,44,57
